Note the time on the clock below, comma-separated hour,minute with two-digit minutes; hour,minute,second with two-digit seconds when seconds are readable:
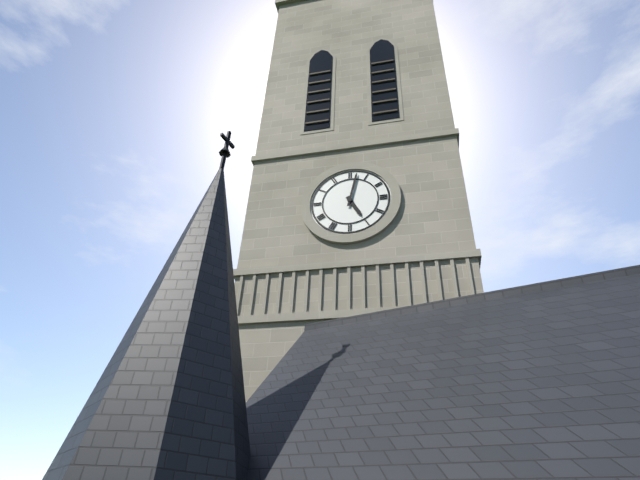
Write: 5,02
